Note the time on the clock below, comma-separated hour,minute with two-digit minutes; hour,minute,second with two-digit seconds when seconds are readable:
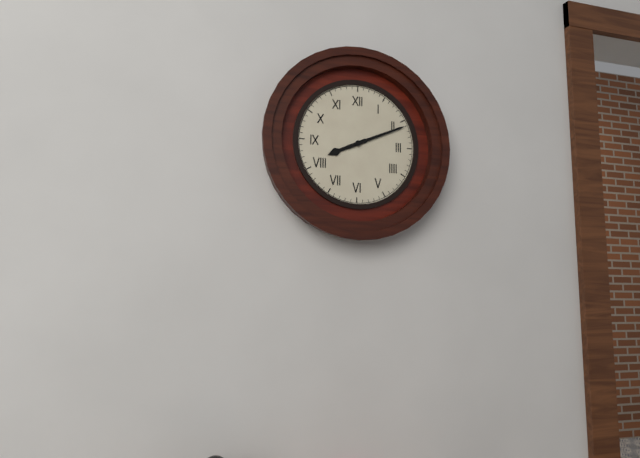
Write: 8,11
